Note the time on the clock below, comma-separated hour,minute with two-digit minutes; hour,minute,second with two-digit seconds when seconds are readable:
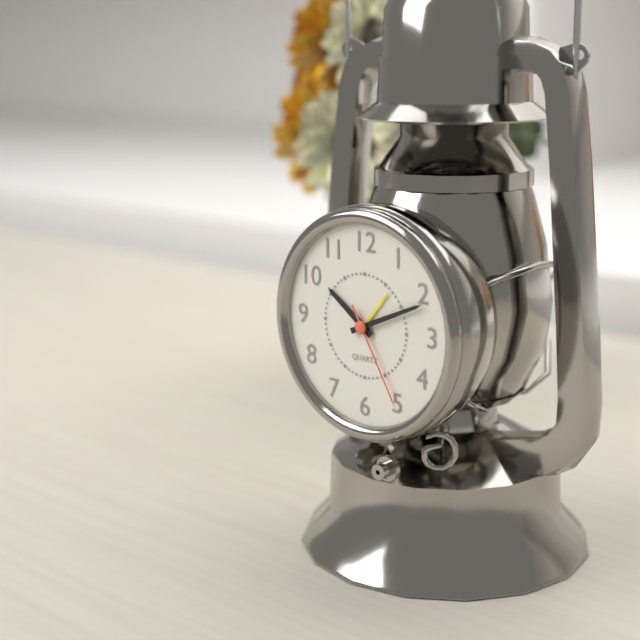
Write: 10,11,25
